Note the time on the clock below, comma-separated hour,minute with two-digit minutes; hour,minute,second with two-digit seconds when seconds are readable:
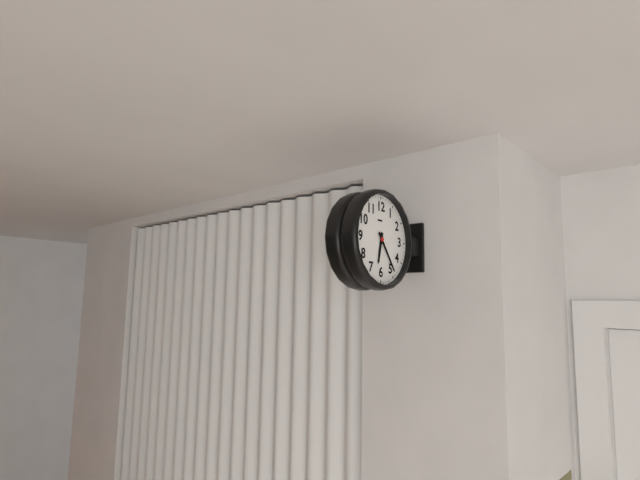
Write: 6,24
